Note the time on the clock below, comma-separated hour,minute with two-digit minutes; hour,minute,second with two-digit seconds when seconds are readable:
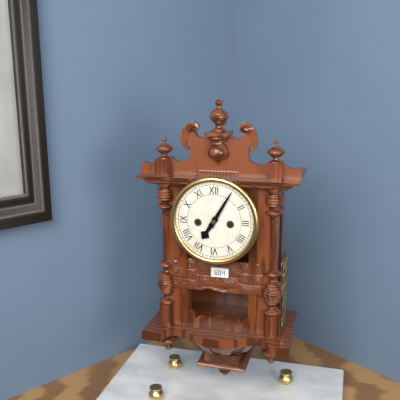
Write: 7,05
